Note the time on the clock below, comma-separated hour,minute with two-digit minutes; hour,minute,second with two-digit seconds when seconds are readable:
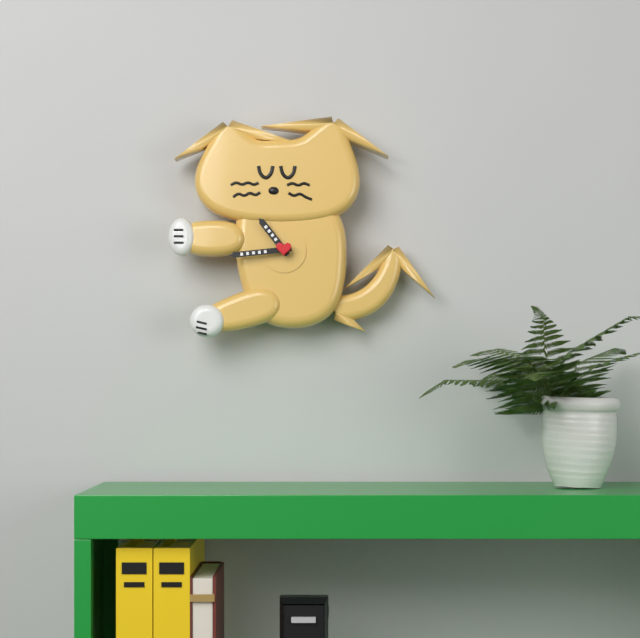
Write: 10,44
